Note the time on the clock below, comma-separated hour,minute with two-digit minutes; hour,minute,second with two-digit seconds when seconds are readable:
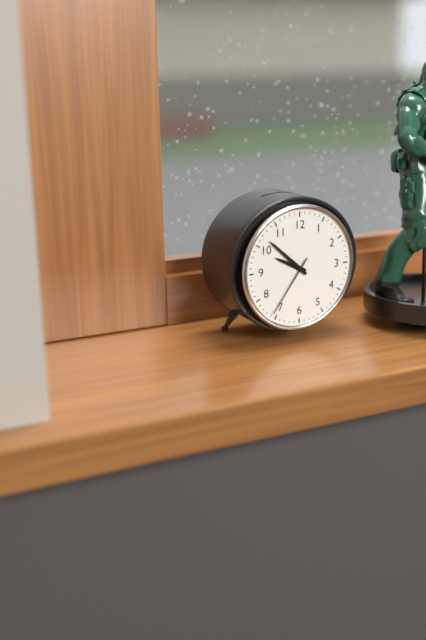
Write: 9,52,36
